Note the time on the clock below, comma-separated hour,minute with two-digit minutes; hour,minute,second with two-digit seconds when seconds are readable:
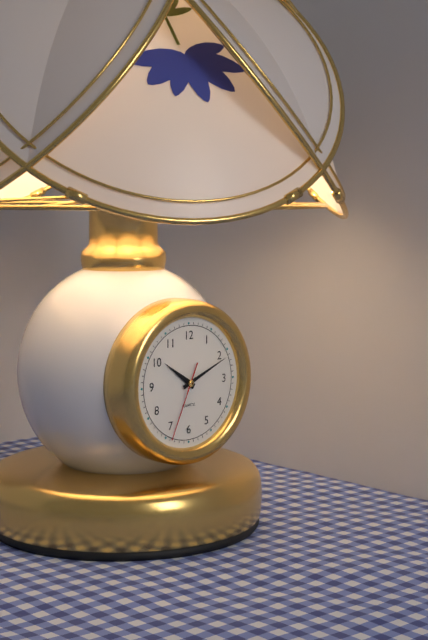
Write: 10,11,34
